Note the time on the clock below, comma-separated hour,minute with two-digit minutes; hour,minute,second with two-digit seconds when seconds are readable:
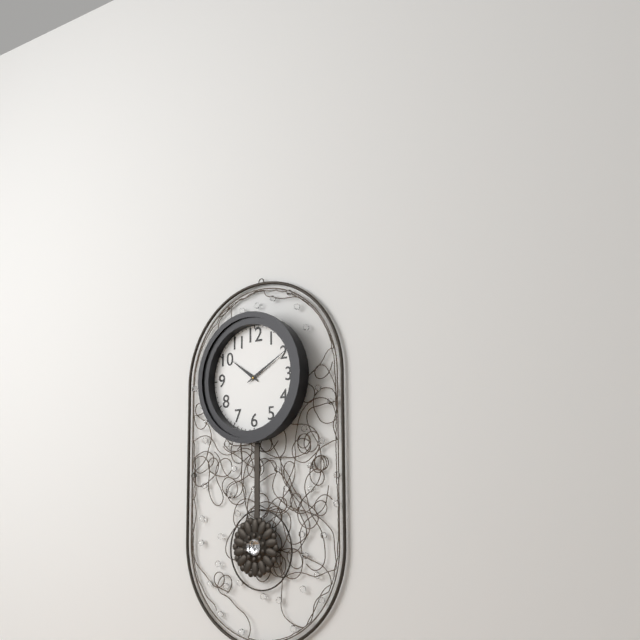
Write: 10,10
